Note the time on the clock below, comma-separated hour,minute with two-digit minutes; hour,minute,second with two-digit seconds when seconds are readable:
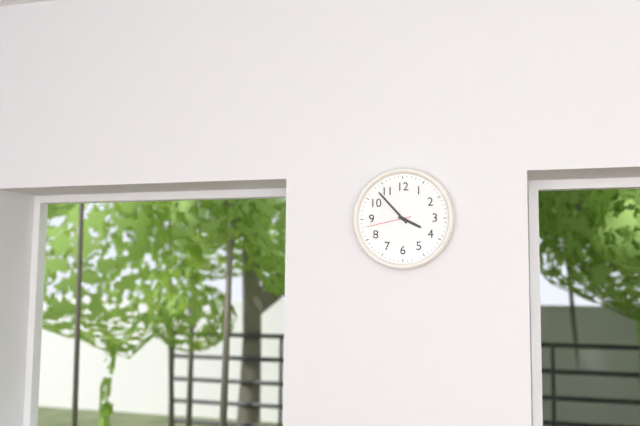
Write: 3,53
